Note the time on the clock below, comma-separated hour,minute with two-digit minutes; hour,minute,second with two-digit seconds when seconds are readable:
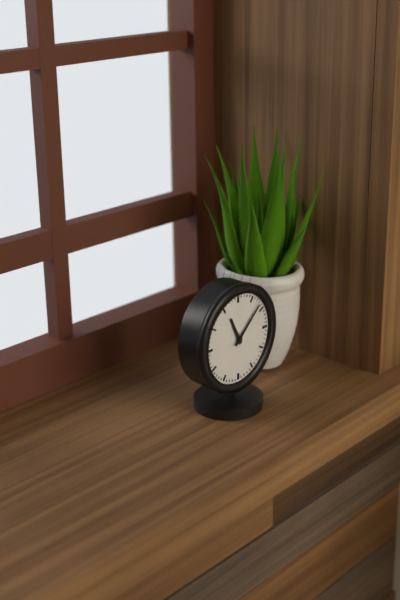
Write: 11,08
